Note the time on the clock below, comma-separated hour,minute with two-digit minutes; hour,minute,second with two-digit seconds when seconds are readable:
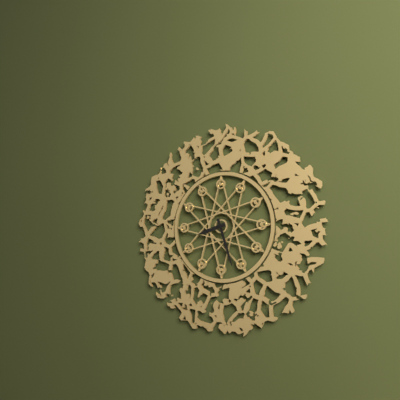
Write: 8,27
